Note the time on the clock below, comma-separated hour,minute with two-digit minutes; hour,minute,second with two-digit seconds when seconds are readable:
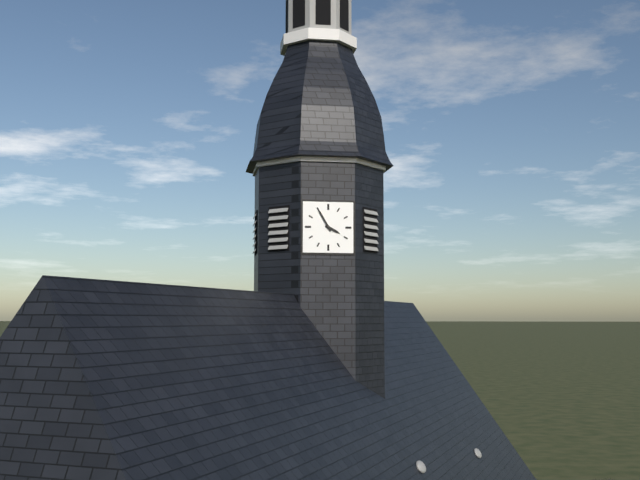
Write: 3,55
